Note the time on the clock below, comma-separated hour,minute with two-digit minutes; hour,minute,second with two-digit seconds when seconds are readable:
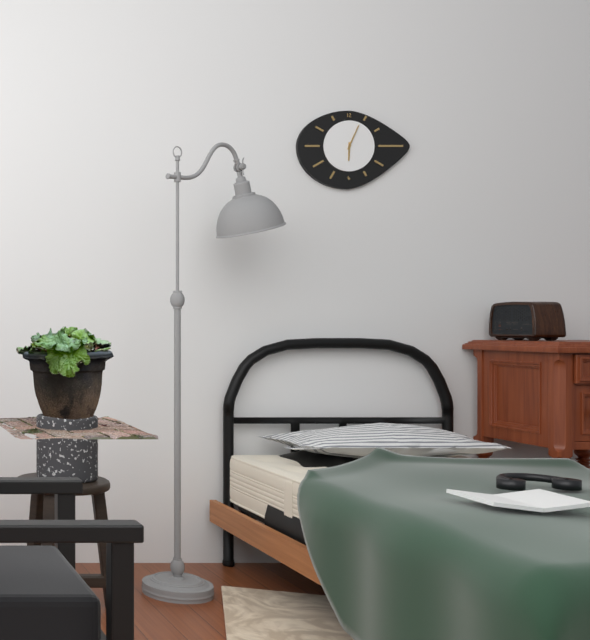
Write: 6,04
